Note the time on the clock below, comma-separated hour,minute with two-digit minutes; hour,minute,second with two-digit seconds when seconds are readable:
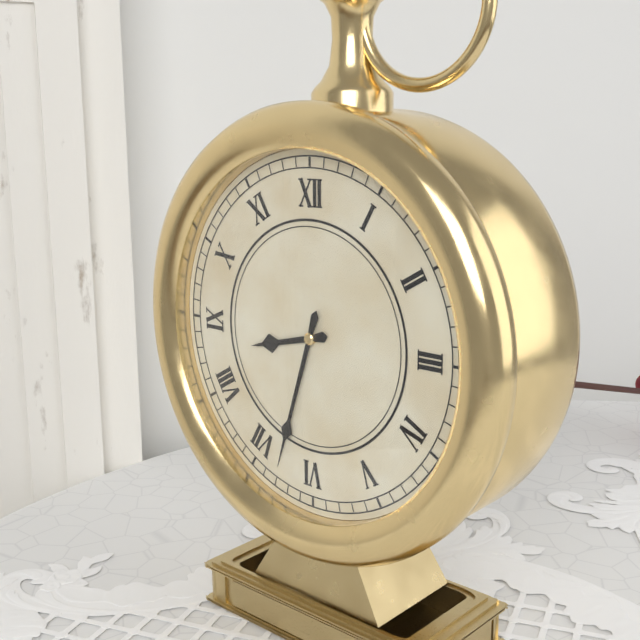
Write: 8,33
